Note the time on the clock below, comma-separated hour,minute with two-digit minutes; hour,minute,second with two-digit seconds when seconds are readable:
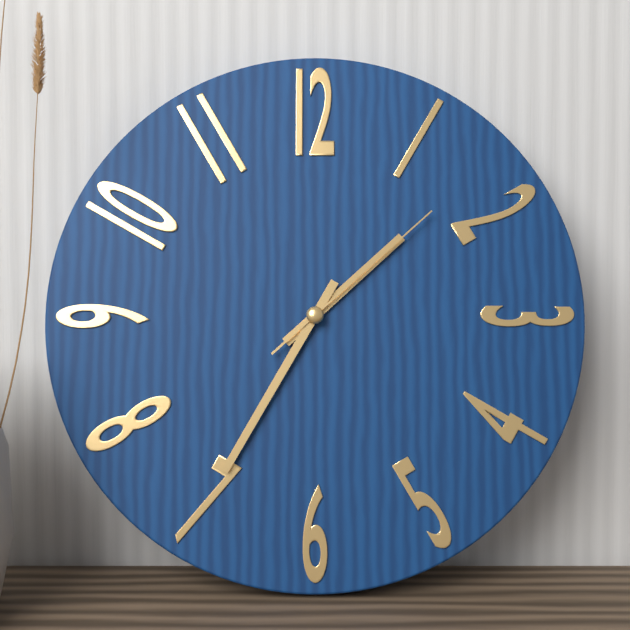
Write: 1,35,08
